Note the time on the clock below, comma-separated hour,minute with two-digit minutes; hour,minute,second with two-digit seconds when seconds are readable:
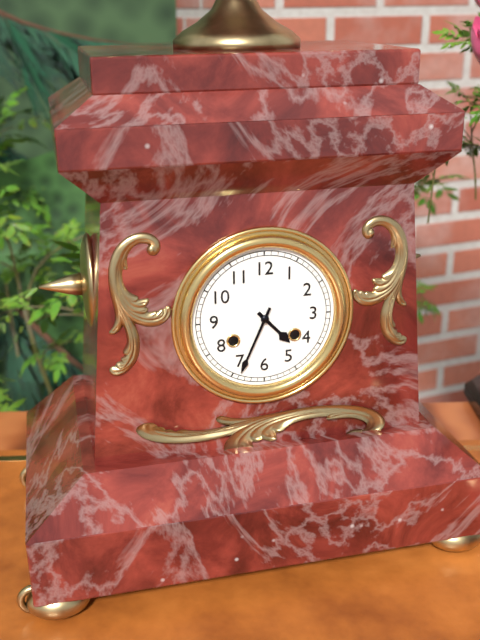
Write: 4,34
